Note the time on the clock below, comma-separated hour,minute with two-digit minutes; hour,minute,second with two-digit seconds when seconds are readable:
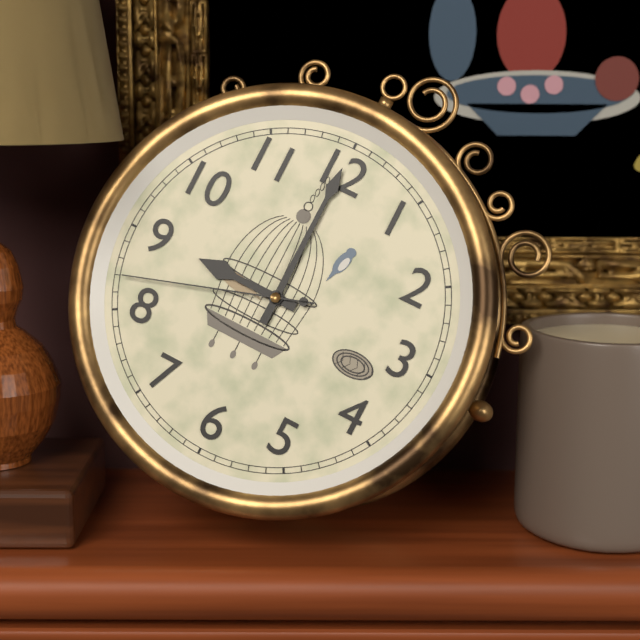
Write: 9,00,42
